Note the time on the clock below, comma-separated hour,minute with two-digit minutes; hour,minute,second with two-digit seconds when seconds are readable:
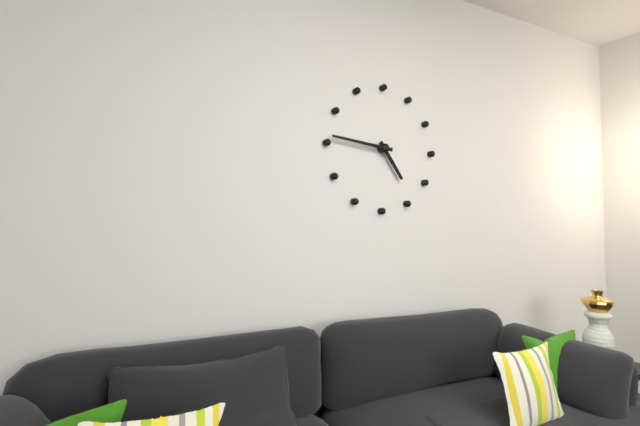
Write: 4,46
